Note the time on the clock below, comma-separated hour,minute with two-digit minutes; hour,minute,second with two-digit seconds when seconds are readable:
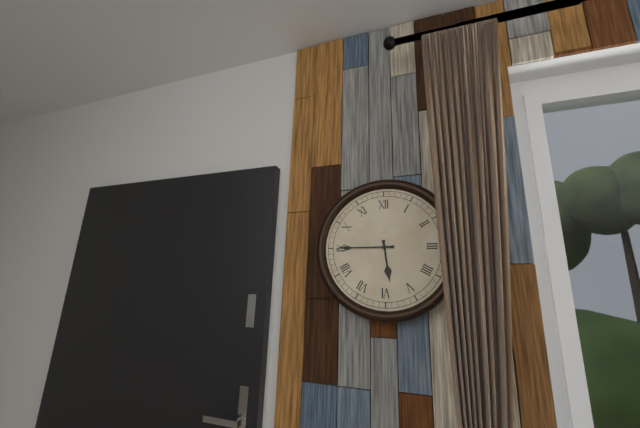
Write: 5,45
